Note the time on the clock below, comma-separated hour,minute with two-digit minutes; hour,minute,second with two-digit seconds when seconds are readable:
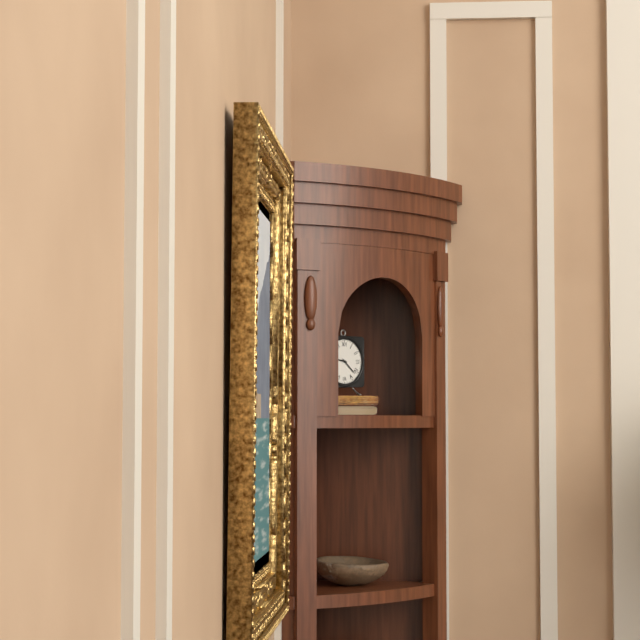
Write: 9,22
